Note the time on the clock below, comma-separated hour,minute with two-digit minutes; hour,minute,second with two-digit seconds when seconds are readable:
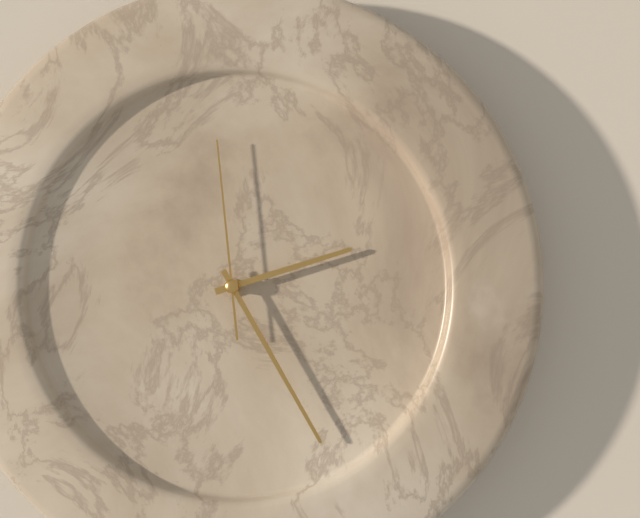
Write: 2,25,59
